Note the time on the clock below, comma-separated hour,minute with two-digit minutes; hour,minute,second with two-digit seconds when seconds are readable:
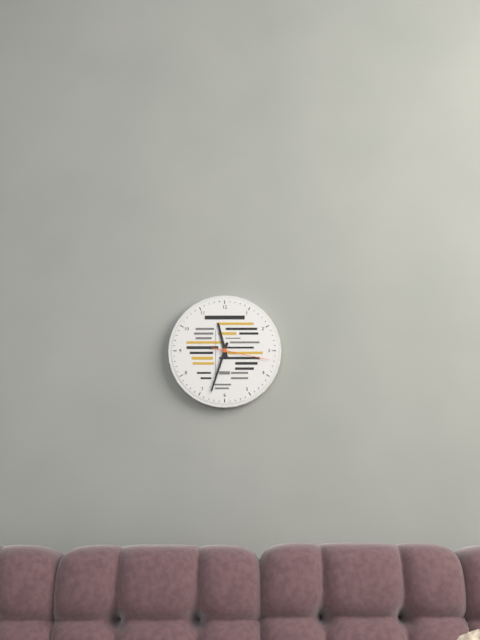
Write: 11,33,17
